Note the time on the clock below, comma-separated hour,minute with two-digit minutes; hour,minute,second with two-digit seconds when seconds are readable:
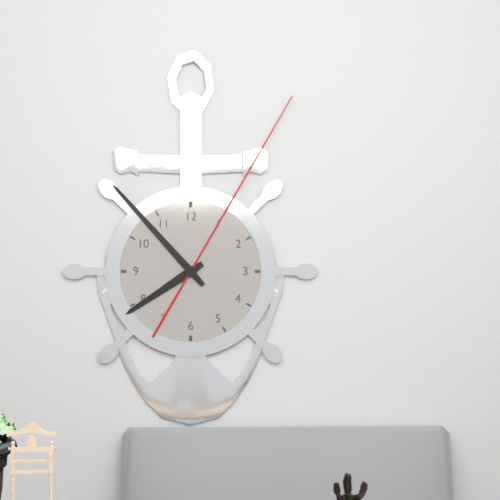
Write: 7,53,05
